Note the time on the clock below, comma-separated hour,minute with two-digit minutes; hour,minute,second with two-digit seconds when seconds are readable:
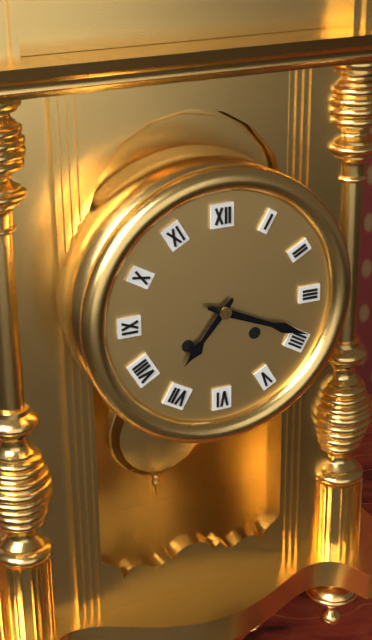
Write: 7,19
